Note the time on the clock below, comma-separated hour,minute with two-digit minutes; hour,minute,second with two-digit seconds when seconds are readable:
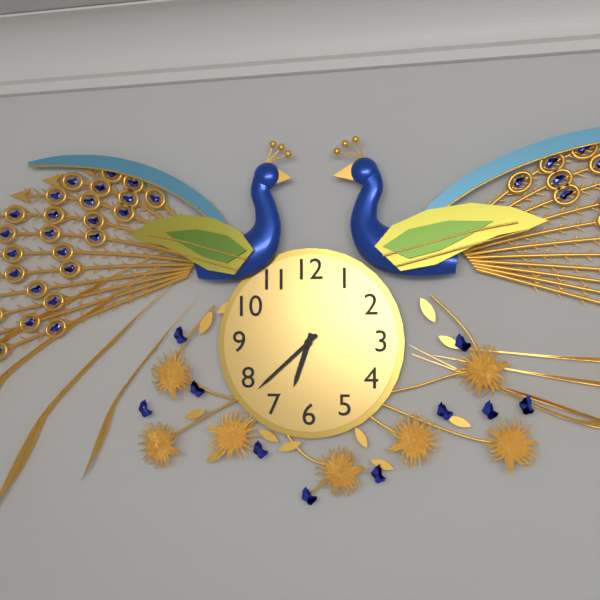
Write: 6,38
